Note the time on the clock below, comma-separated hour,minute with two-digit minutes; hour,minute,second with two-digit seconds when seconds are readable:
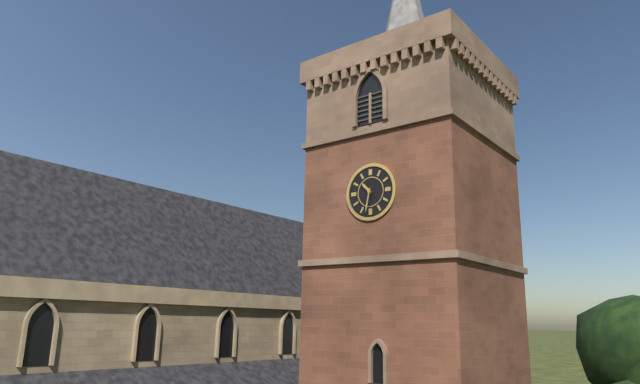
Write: 10,32
